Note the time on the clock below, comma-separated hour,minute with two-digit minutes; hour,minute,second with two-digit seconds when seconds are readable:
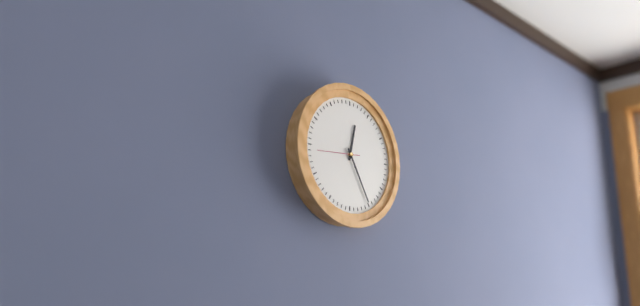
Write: 12,25
